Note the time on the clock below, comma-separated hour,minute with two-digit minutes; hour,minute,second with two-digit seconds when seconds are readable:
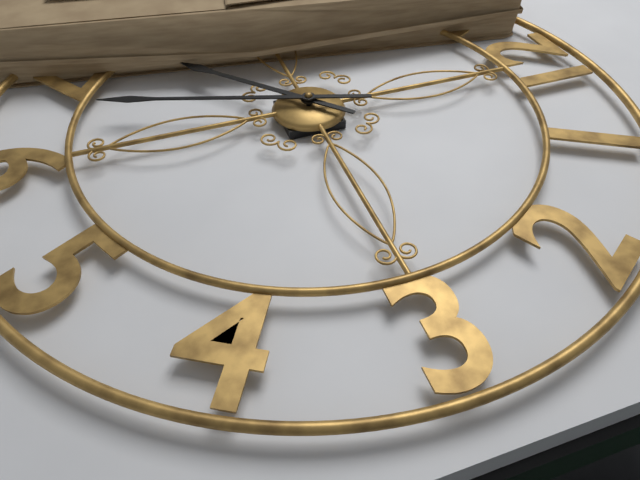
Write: 7,33
